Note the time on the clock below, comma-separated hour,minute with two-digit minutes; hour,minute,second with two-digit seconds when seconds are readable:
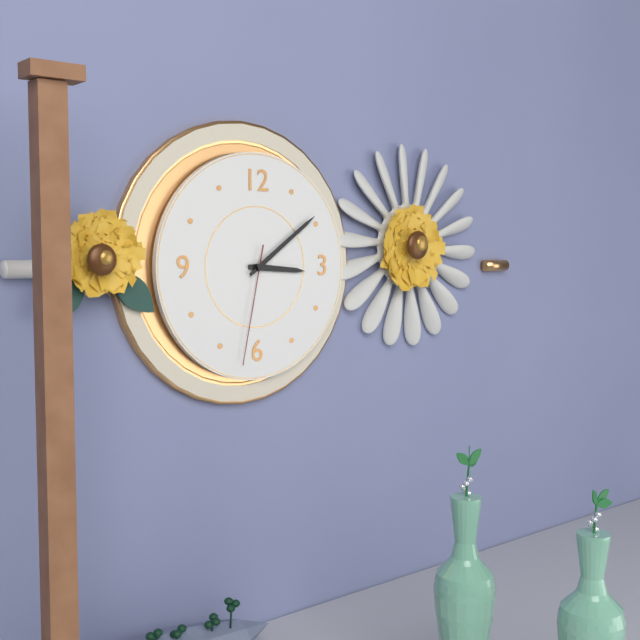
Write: 3,09,32
